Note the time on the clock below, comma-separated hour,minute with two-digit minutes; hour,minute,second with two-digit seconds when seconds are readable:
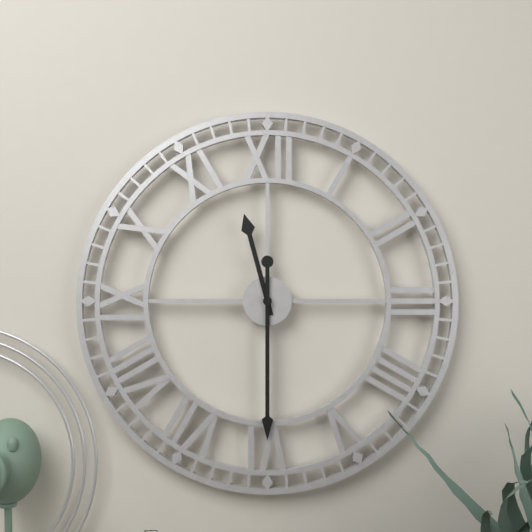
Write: 11,30
